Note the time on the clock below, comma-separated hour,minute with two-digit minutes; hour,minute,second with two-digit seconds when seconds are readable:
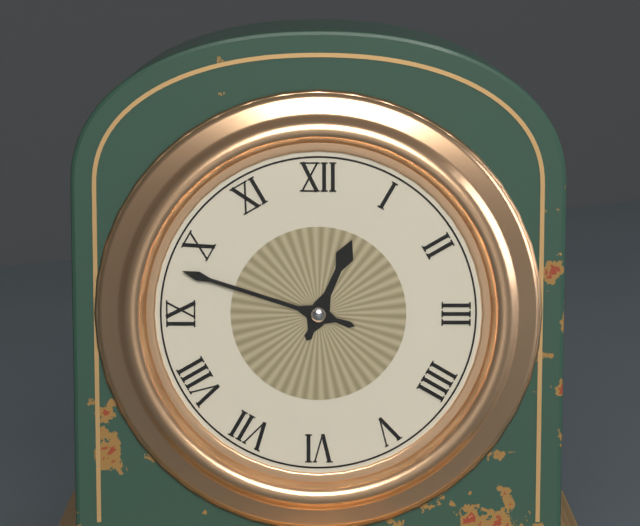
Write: 12,48
